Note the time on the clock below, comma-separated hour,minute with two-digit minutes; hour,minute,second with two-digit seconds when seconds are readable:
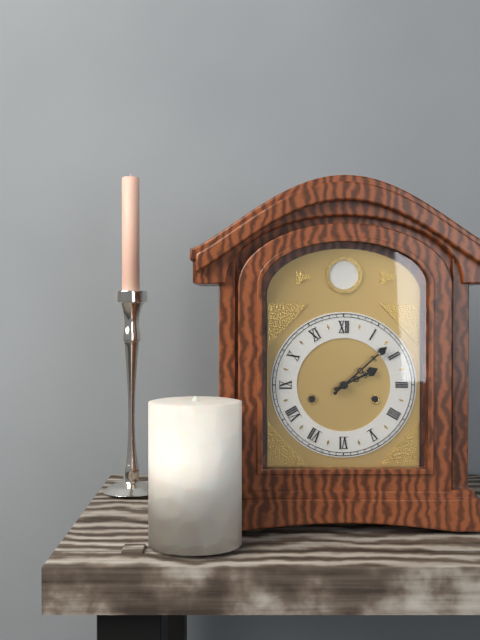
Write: 2,08
